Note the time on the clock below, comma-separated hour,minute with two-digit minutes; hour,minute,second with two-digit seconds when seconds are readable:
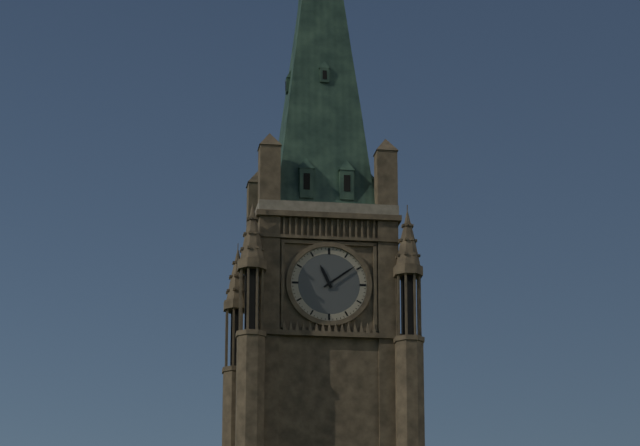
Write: 11,09
